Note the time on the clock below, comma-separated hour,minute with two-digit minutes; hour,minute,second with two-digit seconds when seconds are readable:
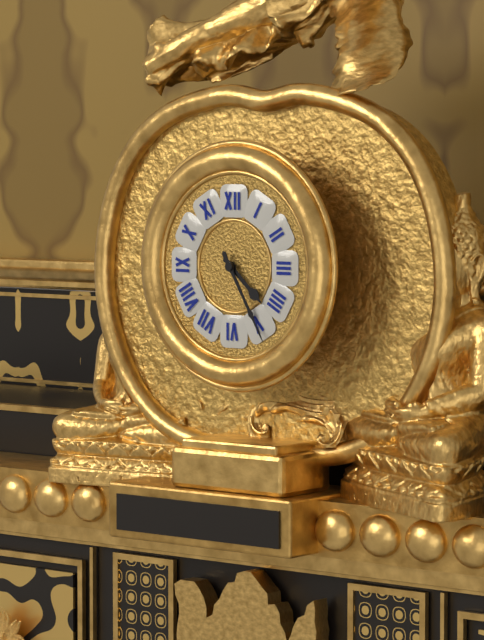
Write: 4,25
